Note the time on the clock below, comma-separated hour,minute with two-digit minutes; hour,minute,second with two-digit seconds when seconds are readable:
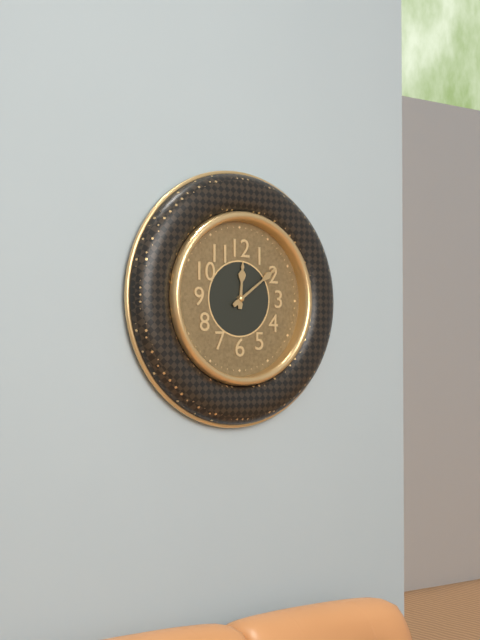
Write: 12,09
